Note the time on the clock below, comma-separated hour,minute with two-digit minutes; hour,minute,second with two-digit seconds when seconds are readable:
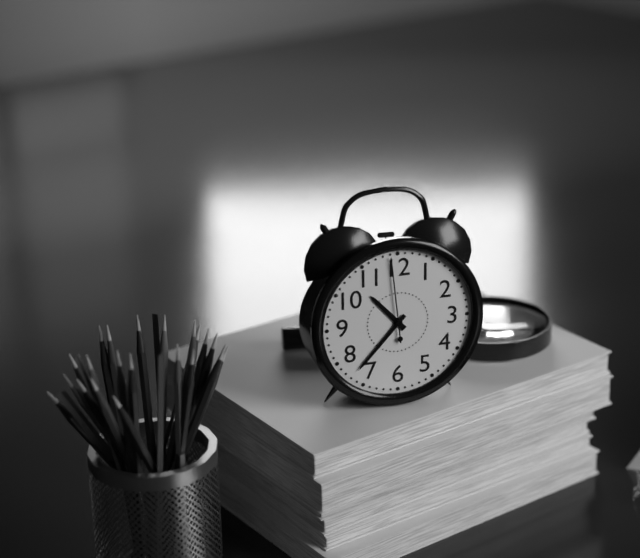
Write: 10,37,59
